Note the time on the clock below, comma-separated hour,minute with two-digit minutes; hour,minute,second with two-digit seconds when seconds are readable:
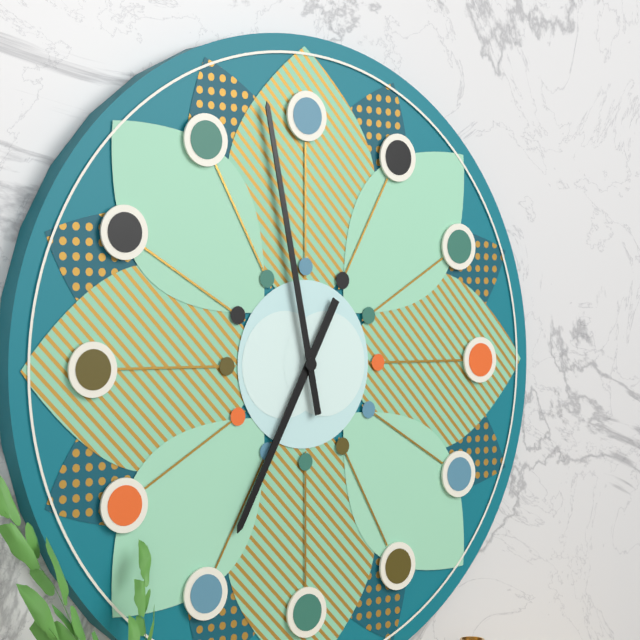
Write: 6,58
